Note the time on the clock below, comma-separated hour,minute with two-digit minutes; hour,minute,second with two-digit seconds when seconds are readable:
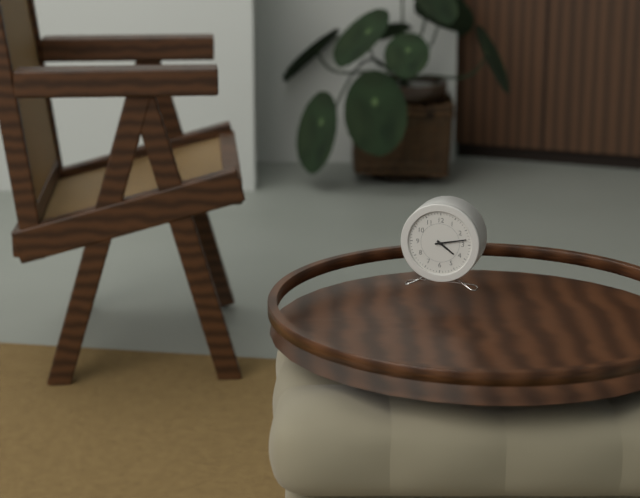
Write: 4,13
